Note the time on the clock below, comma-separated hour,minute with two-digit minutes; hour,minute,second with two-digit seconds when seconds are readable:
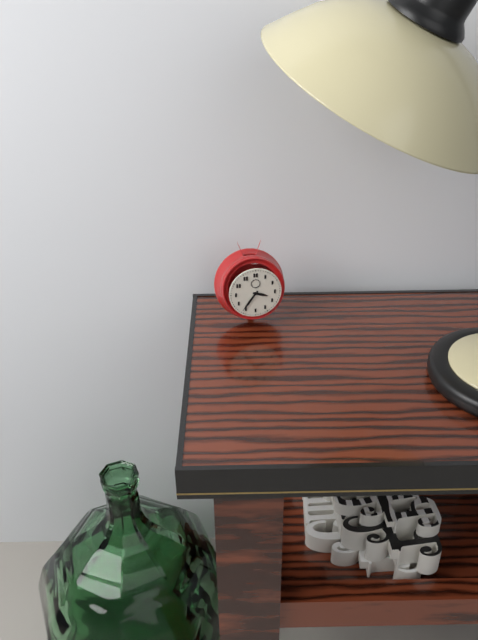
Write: 3,36
